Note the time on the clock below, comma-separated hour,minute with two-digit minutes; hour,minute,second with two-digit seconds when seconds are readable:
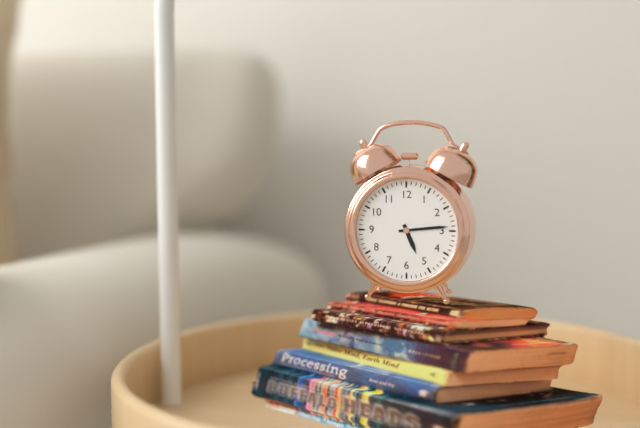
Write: 5,14
